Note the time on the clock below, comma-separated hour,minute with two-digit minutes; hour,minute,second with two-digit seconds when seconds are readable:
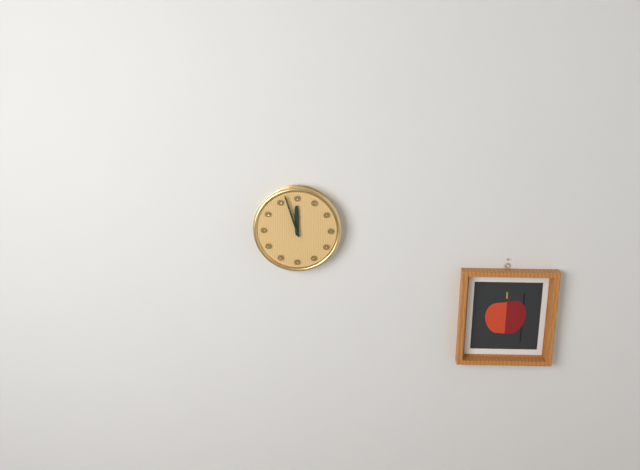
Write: 11,57
